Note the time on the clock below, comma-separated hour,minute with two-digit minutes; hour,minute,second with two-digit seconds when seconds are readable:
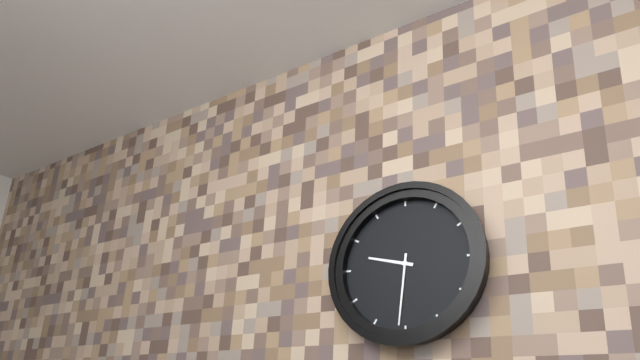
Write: 9,31
